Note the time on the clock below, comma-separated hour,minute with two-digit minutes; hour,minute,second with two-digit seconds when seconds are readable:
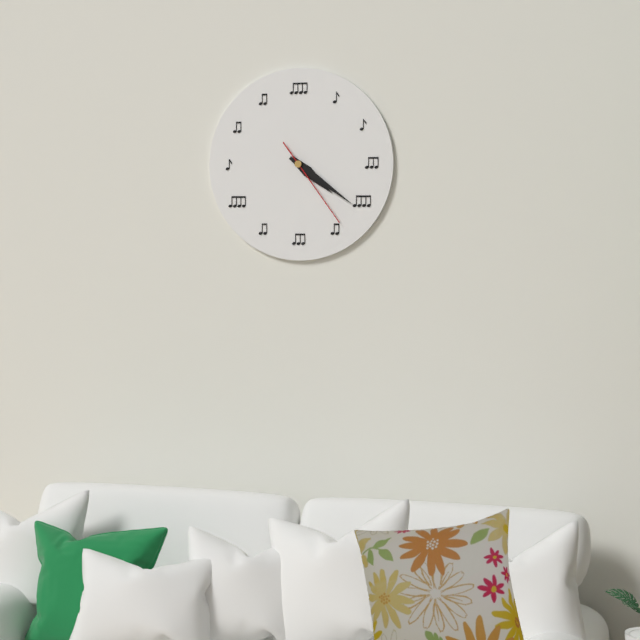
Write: 4,21,24
